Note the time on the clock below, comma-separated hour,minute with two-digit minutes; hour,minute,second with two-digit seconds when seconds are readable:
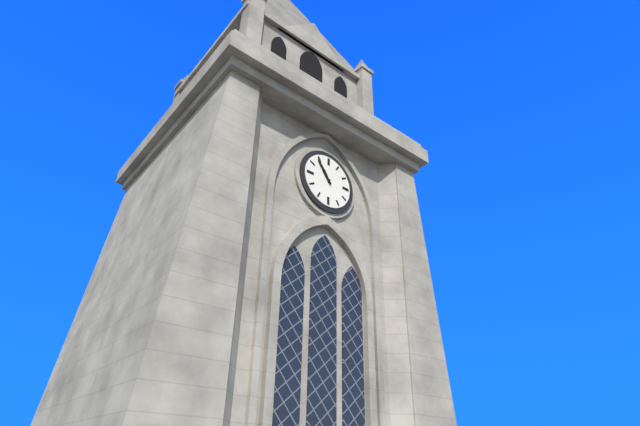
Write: 10,54
